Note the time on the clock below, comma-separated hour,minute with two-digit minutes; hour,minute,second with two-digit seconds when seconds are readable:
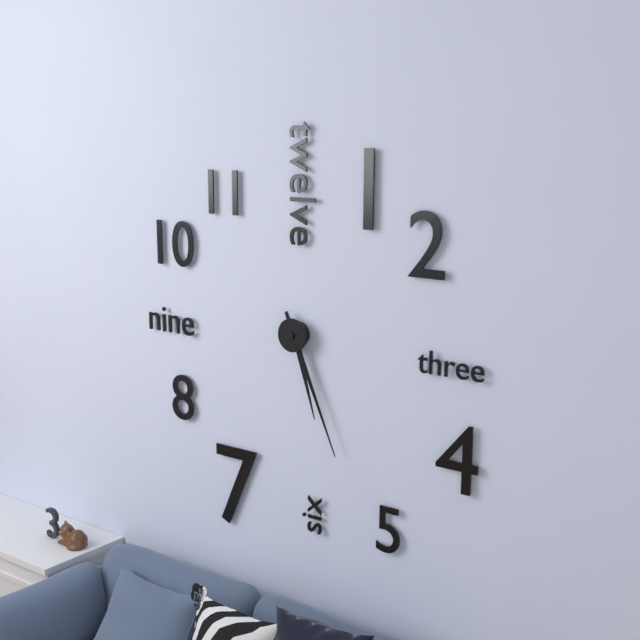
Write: 5,26
